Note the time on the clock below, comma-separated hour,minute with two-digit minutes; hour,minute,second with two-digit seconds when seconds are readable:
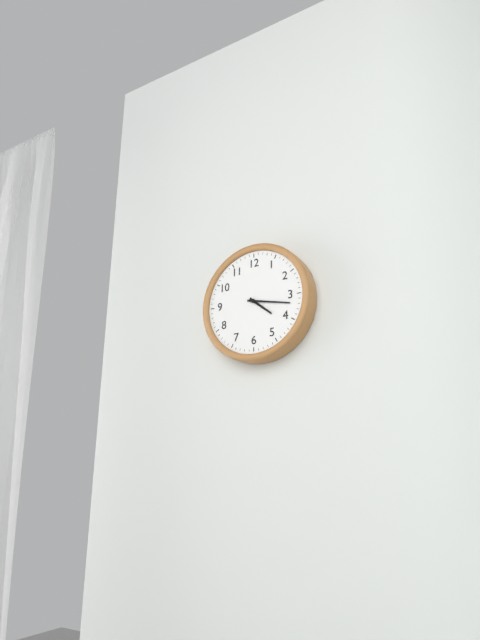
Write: 4,17
